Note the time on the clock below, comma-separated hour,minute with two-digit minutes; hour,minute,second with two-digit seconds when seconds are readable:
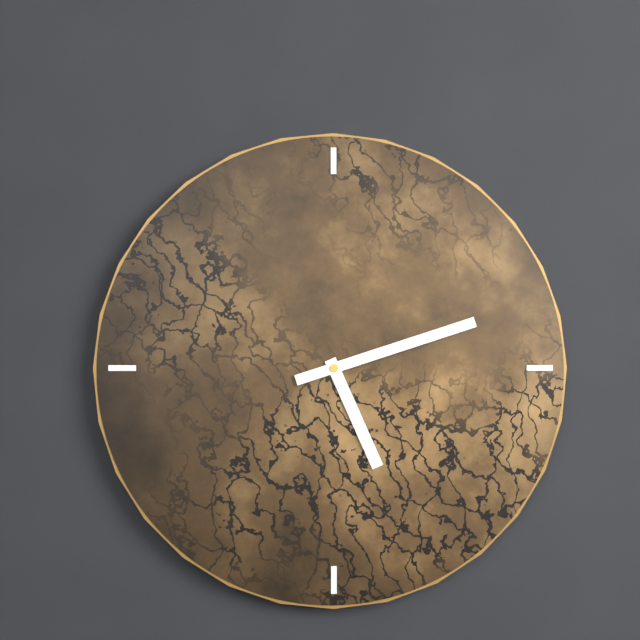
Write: 5,12
